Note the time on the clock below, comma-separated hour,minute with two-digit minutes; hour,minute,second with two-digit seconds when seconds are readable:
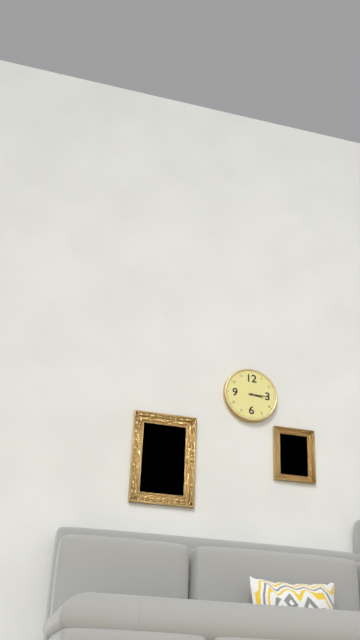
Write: 3,15
